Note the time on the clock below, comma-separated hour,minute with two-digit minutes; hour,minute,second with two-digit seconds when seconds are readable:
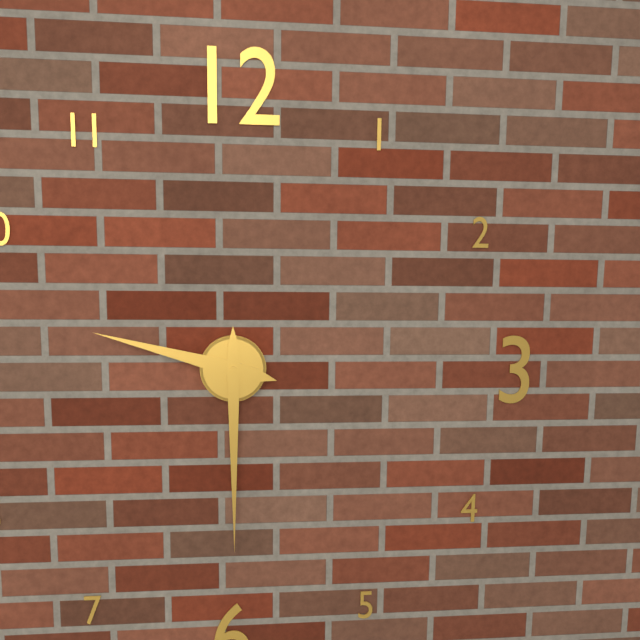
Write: 9,30
